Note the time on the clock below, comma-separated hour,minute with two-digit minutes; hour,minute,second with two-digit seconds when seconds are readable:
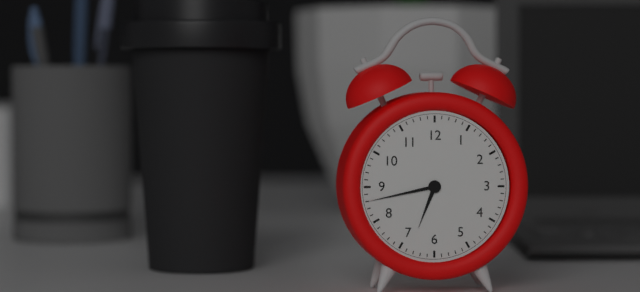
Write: 6,43
